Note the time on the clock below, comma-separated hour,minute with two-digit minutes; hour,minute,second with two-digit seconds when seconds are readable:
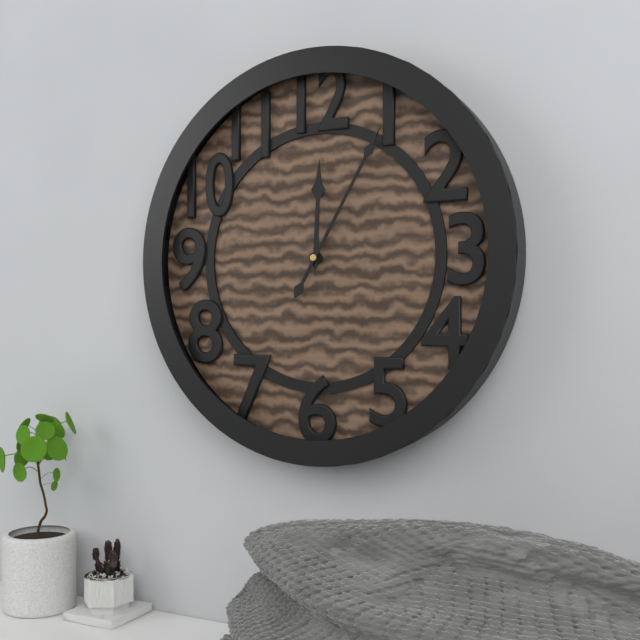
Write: 12,05
